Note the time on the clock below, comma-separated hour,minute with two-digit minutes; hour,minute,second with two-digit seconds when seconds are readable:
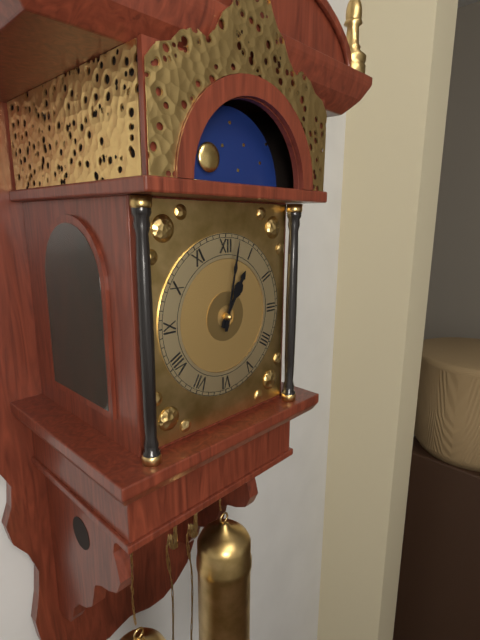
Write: 1,02
